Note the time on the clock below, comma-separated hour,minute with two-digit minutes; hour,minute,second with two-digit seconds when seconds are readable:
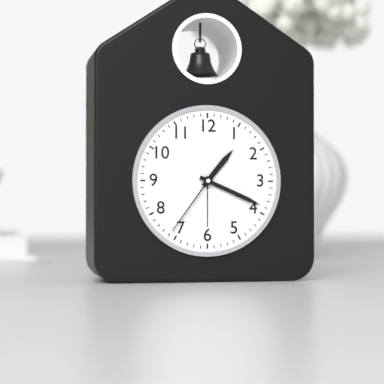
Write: 1,19,36
